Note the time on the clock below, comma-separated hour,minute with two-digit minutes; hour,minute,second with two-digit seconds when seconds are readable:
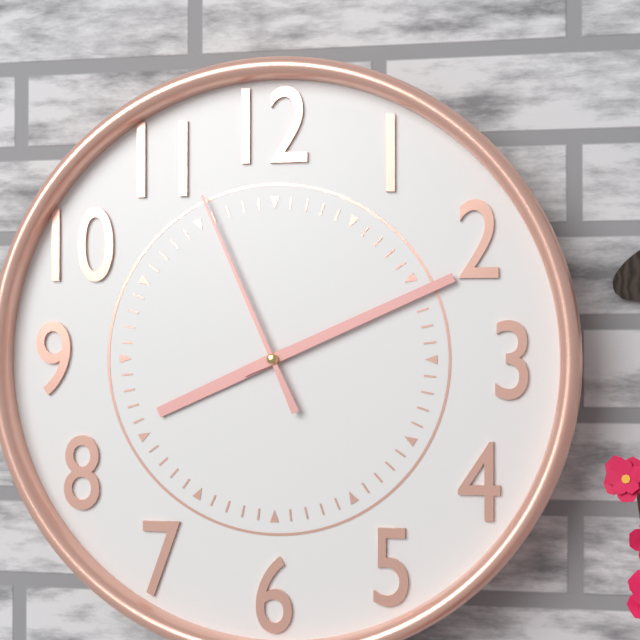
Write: 8,11,56
